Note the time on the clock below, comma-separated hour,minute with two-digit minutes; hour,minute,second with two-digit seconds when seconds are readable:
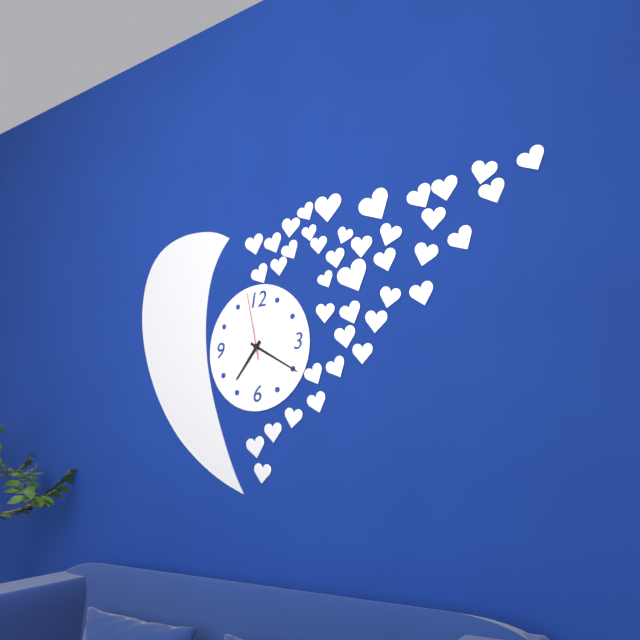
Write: 7,20,58
